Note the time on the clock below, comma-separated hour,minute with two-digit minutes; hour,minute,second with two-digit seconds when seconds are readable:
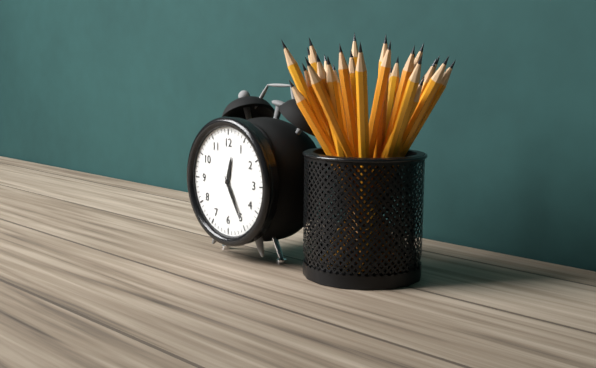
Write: 12,25
